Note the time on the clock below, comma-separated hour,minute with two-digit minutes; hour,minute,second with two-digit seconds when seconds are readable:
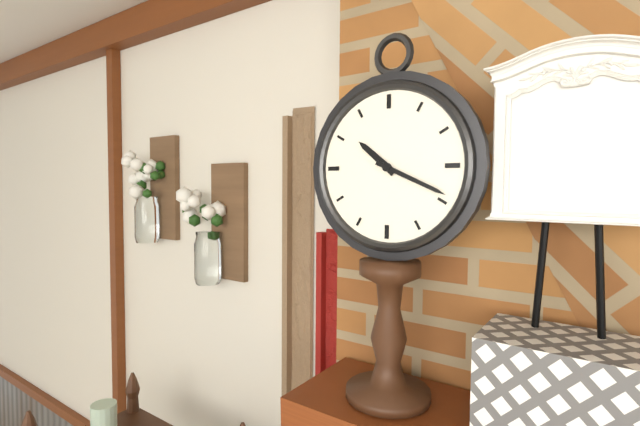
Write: 10,19
